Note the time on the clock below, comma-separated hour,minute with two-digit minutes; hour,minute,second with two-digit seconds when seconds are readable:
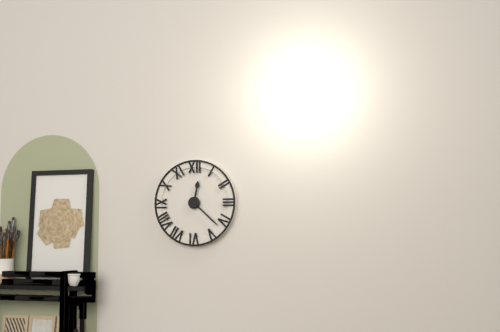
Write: 12,22
